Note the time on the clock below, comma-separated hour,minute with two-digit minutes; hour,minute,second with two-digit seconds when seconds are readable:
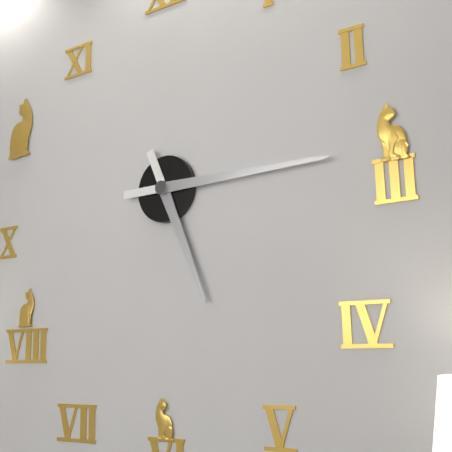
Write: 5,15
